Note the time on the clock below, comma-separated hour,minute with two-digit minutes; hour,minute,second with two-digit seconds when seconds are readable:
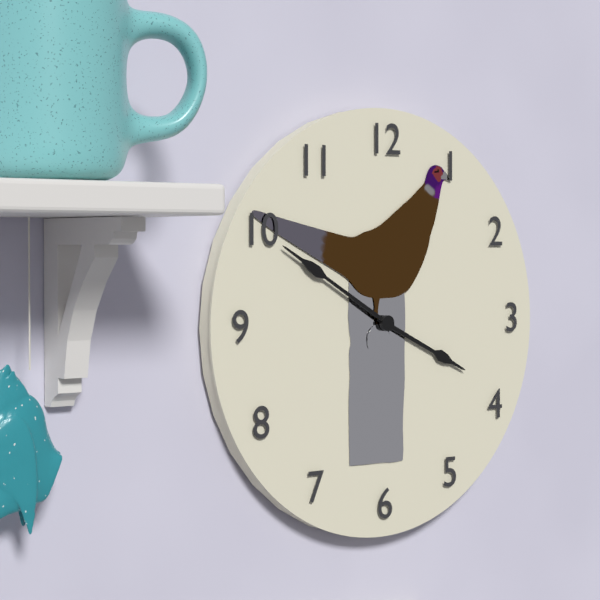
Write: 3,50
